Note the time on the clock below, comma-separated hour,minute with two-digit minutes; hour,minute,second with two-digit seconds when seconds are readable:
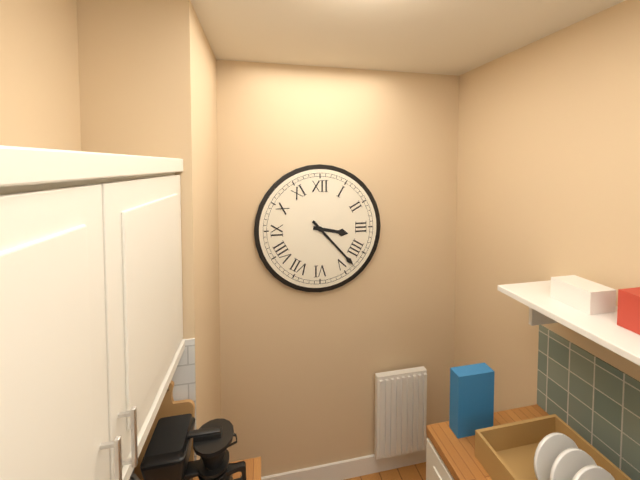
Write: 3,23
